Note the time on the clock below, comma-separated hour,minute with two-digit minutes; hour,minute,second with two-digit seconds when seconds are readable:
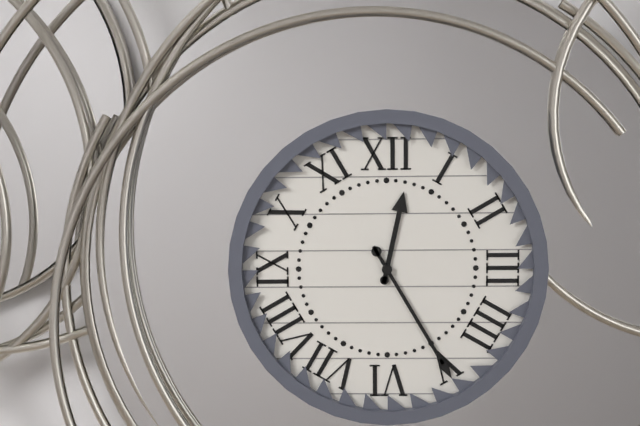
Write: 12,25
